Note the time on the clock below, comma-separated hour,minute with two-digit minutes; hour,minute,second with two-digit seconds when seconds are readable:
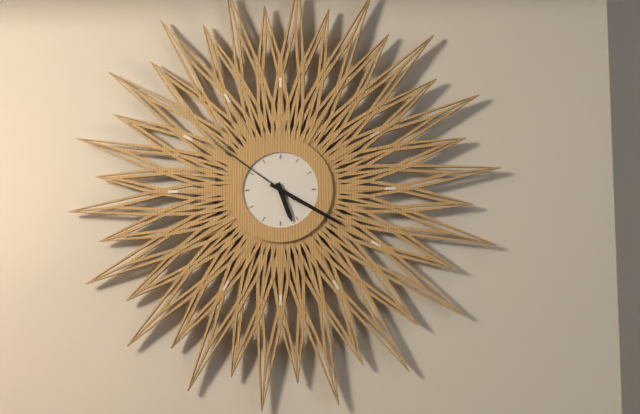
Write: 5,20,51
